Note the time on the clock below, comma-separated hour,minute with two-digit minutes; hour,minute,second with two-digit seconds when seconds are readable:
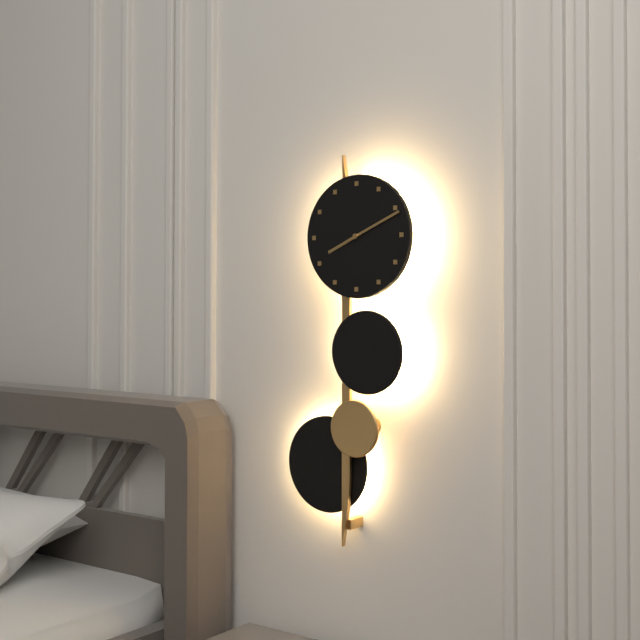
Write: 8,11
